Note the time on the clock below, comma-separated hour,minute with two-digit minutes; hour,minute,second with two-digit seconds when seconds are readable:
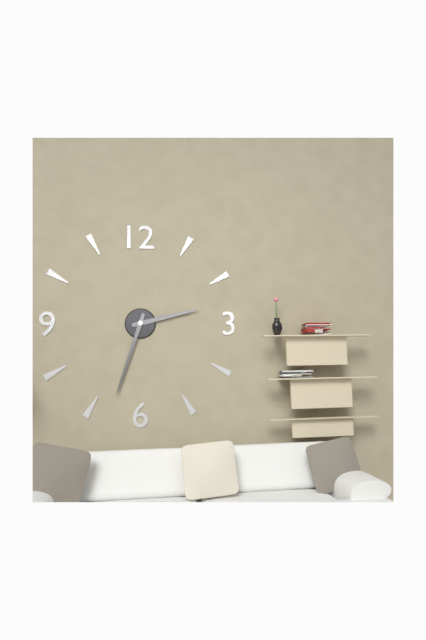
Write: 2,33
